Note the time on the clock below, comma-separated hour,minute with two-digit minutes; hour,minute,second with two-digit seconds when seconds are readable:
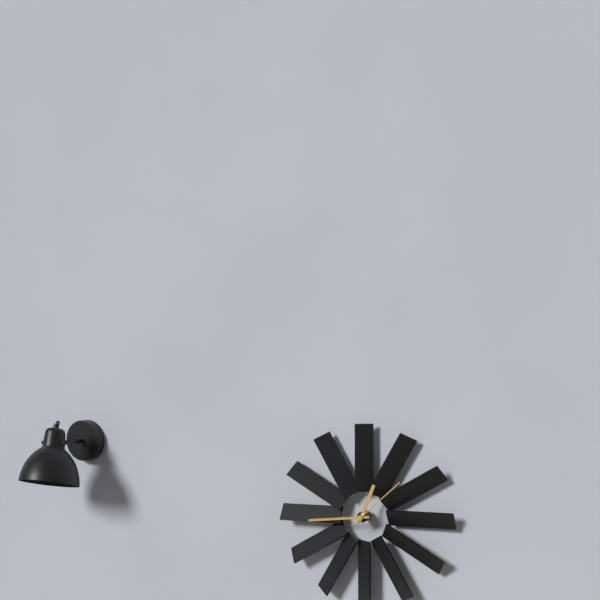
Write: 12,44,08
